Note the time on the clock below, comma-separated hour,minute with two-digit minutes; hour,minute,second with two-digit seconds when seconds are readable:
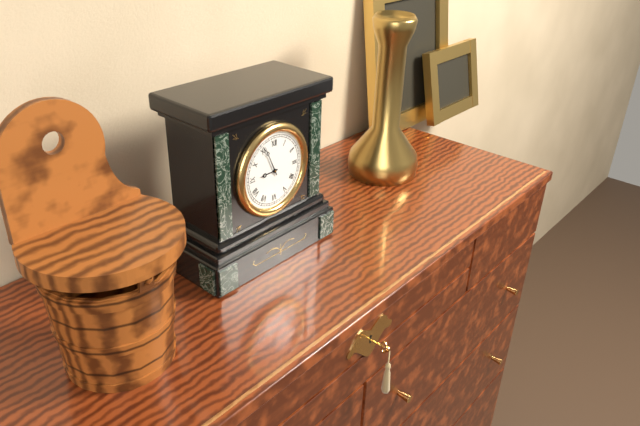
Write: 8,56
